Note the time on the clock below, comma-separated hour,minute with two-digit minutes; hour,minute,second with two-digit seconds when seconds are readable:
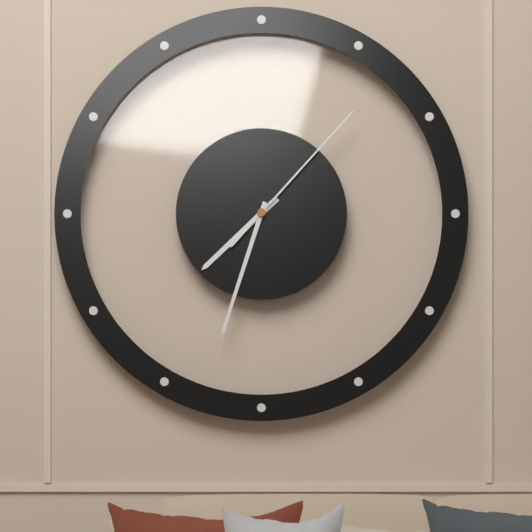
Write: 7,33,07
